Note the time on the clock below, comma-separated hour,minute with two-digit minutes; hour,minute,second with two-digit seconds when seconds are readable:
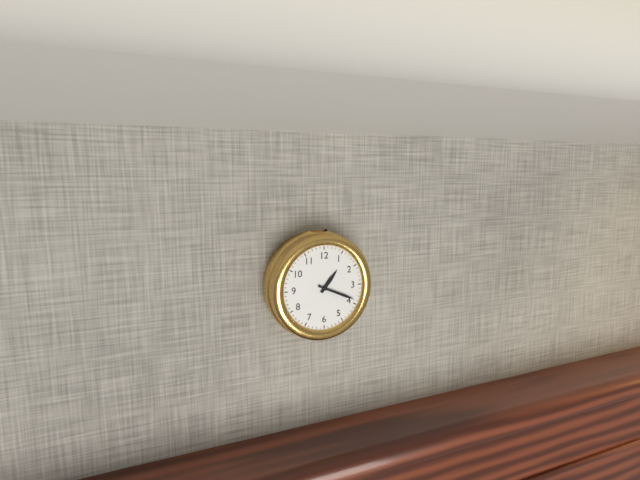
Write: 1,19
